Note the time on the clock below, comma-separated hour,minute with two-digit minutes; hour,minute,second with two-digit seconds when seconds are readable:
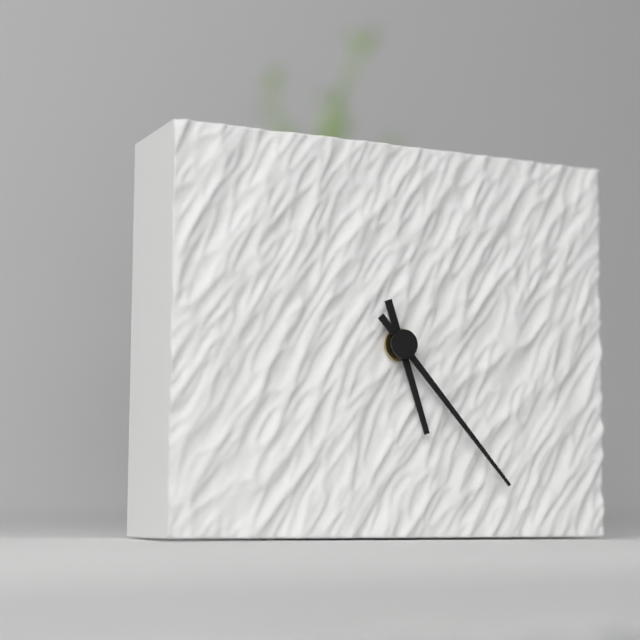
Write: 5,23
